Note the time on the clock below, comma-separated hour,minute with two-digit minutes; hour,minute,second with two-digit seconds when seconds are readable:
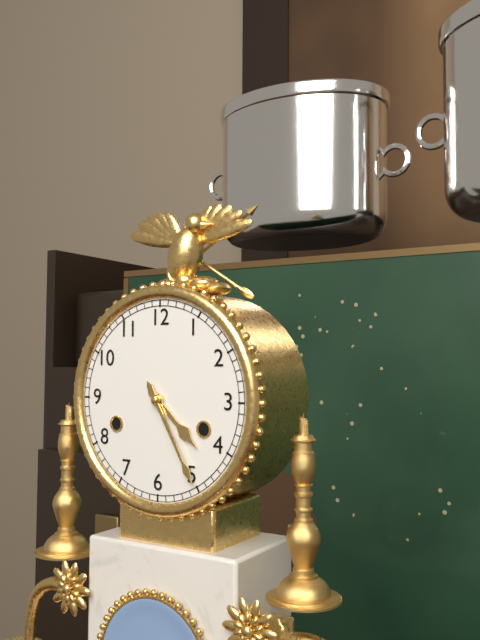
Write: 4,25
